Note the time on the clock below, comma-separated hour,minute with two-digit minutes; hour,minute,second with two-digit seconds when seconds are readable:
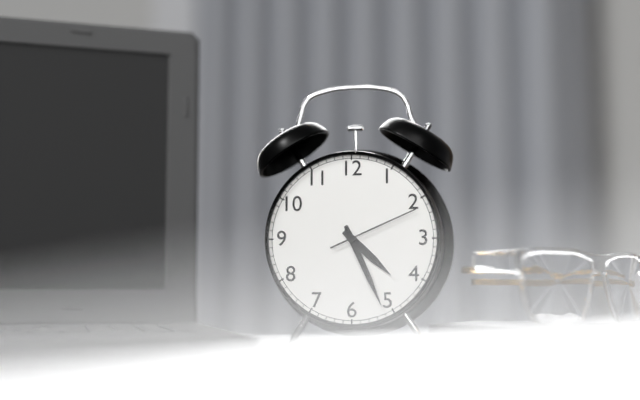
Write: 4,26,11
